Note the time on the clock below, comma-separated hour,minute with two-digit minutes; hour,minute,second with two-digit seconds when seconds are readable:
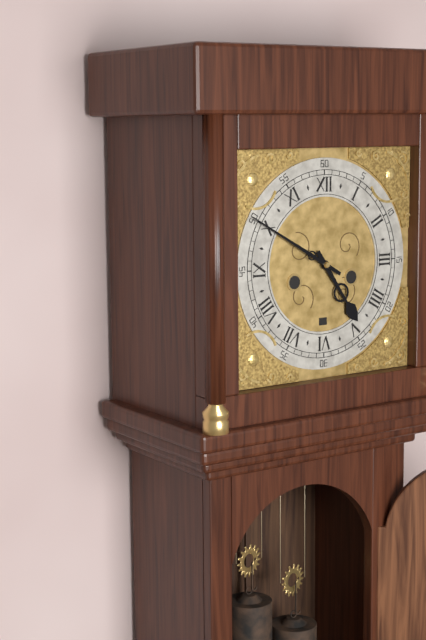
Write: 4,50
